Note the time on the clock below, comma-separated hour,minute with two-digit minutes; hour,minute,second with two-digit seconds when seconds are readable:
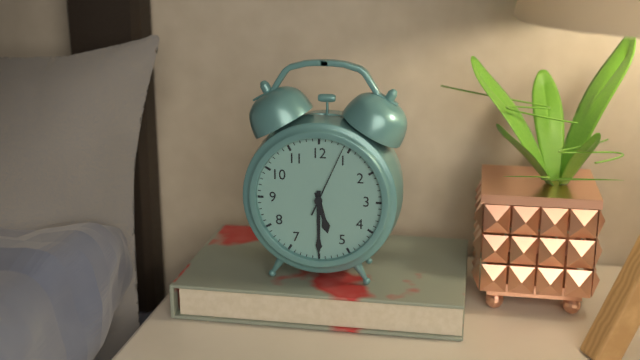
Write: 5,30,04
